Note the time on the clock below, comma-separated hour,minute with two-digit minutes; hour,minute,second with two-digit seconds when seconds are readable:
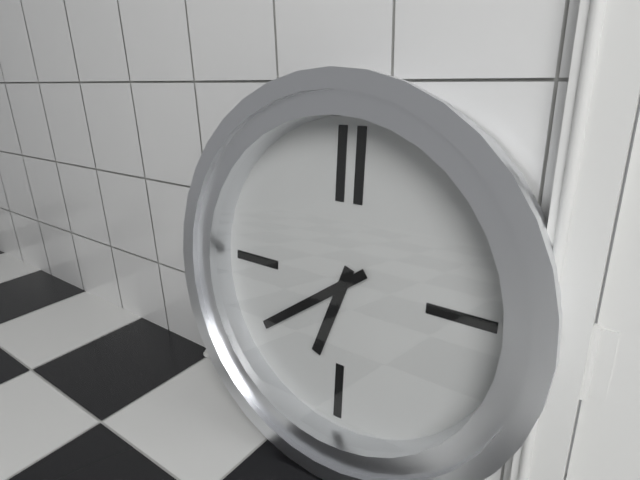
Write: 6,39
